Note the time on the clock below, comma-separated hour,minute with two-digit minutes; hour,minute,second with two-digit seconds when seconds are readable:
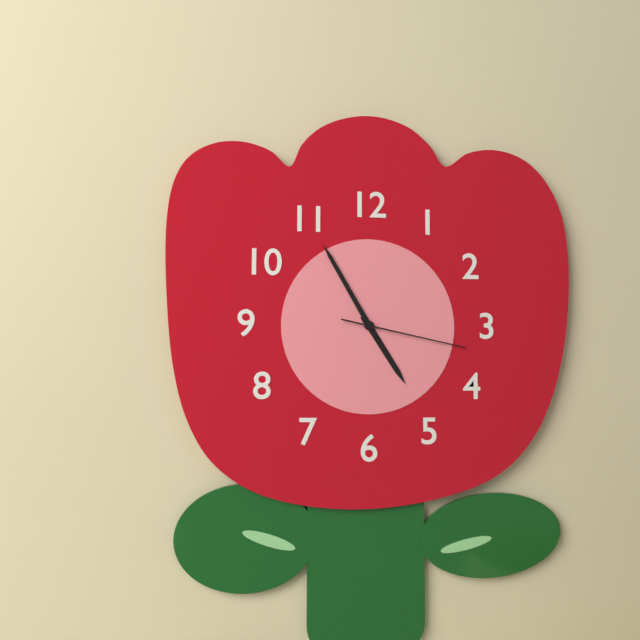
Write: 4,55,17
